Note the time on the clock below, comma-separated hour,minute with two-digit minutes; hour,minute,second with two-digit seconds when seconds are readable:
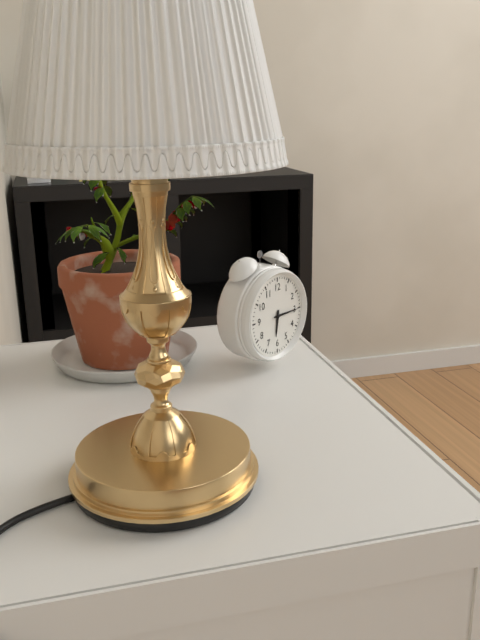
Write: 6,15
